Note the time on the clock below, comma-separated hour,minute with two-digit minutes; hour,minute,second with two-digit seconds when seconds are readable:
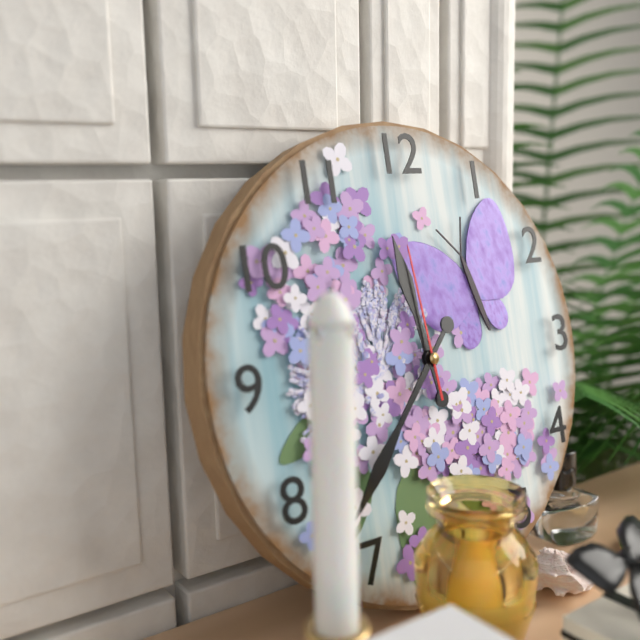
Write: 11,37,59
